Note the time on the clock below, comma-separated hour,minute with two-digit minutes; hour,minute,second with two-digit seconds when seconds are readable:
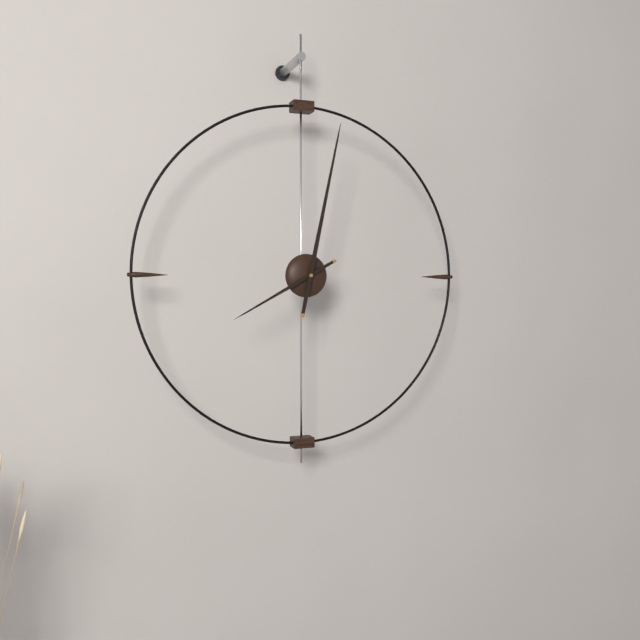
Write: 8,02
